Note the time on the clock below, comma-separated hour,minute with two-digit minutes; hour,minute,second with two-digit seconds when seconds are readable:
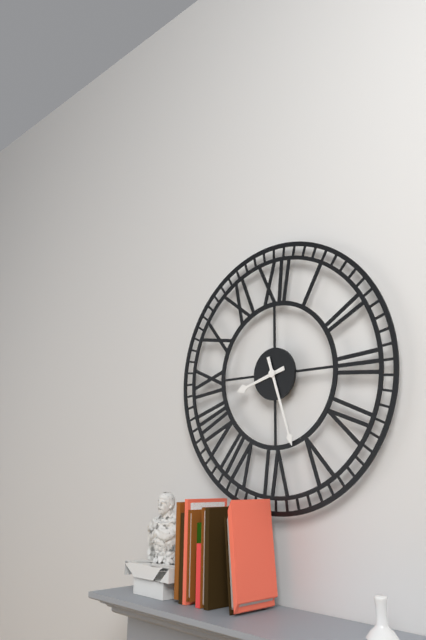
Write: 8,27
